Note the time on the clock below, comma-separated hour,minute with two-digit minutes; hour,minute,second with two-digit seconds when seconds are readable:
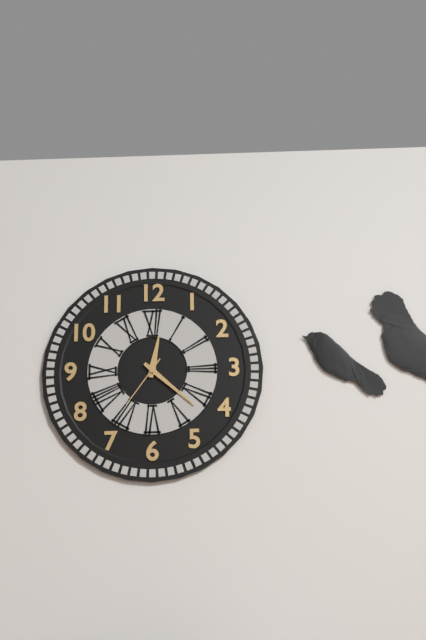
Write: 12,22,36
